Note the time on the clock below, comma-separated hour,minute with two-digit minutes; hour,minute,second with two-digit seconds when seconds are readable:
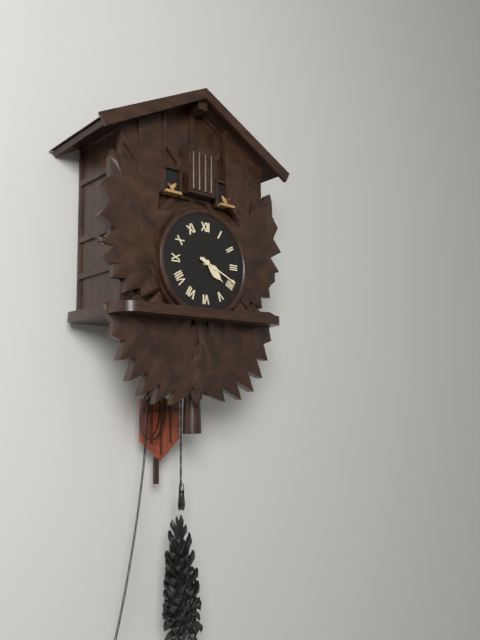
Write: 4,19
